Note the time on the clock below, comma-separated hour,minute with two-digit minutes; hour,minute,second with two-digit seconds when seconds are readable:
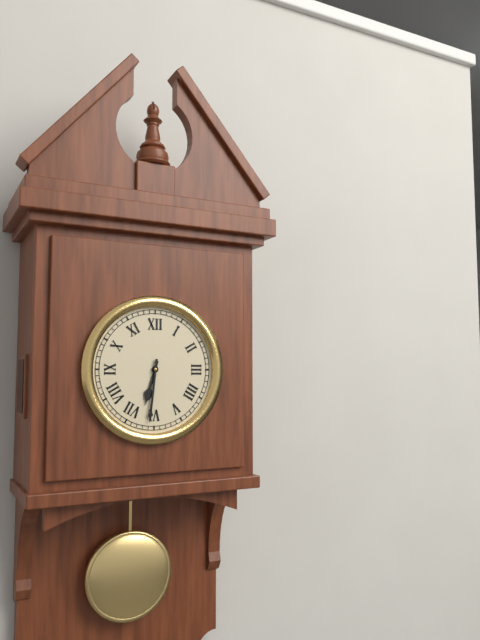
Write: 6,31
